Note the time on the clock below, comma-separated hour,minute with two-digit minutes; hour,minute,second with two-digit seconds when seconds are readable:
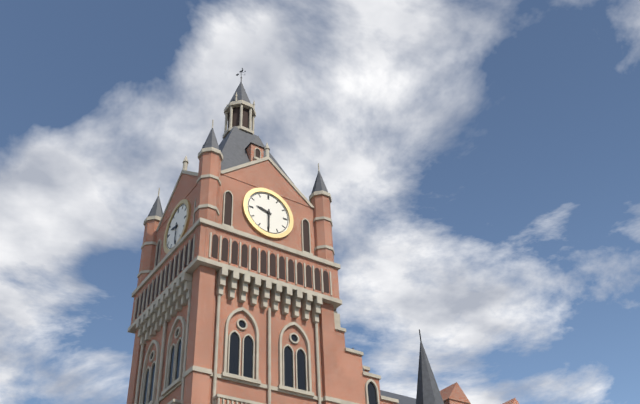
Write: 9,30
